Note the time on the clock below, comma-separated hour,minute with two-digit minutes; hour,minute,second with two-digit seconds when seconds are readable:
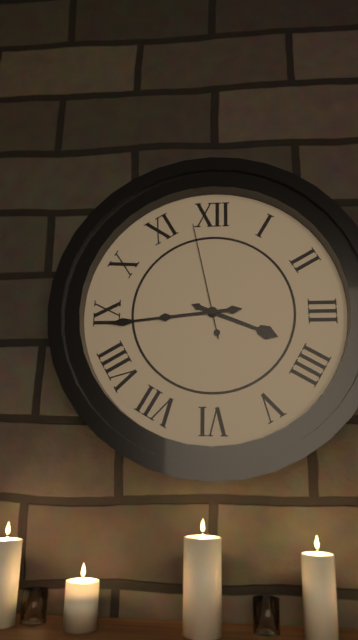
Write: 3,44,58
